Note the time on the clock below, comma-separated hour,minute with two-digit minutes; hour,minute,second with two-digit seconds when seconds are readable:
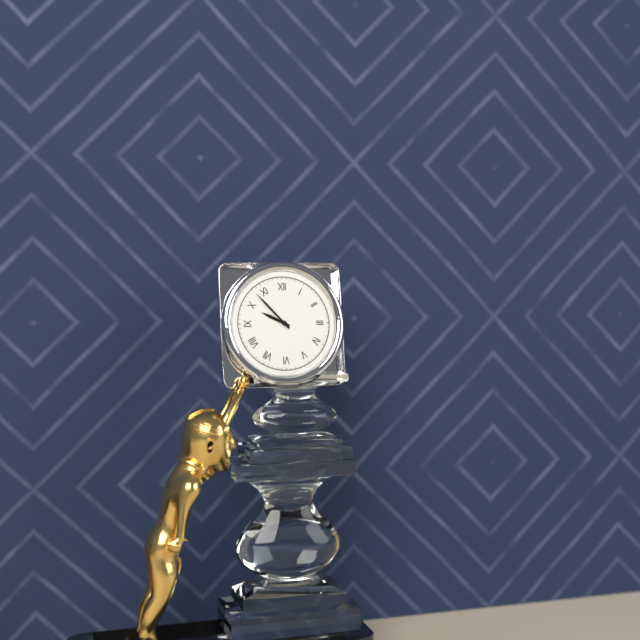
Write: 9,53
